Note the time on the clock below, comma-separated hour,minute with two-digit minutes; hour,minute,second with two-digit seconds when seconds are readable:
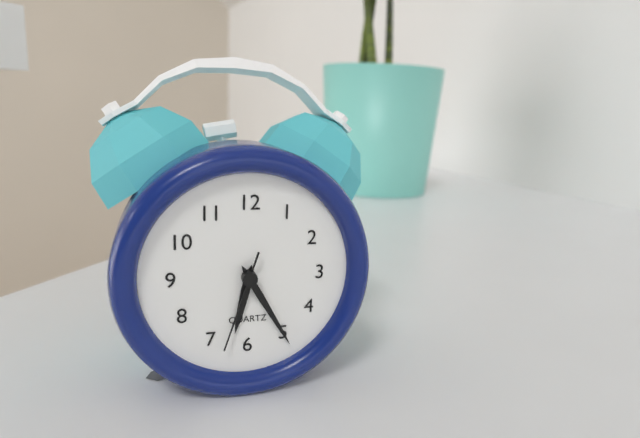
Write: 6,25,33
